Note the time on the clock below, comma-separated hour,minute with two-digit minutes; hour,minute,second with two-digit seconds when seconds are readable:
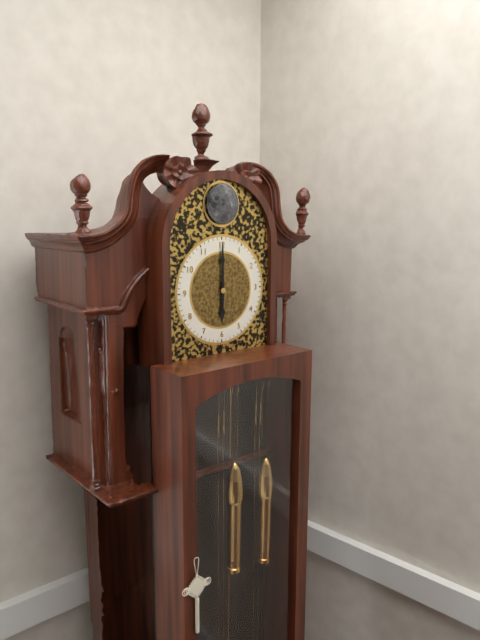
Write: 6,00
